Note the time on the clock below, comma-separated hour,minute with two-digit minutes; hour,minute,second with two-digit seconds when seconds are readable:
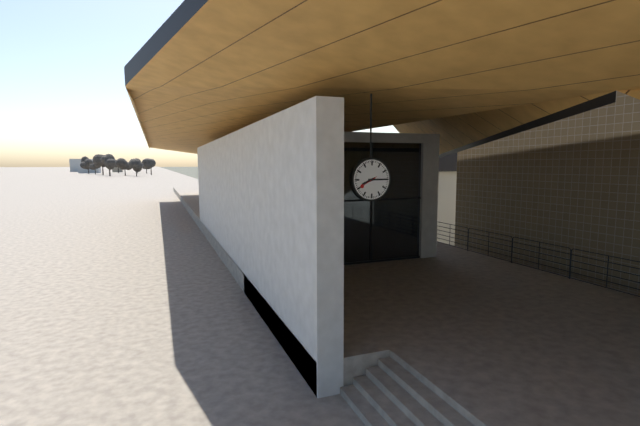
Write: 8,15
